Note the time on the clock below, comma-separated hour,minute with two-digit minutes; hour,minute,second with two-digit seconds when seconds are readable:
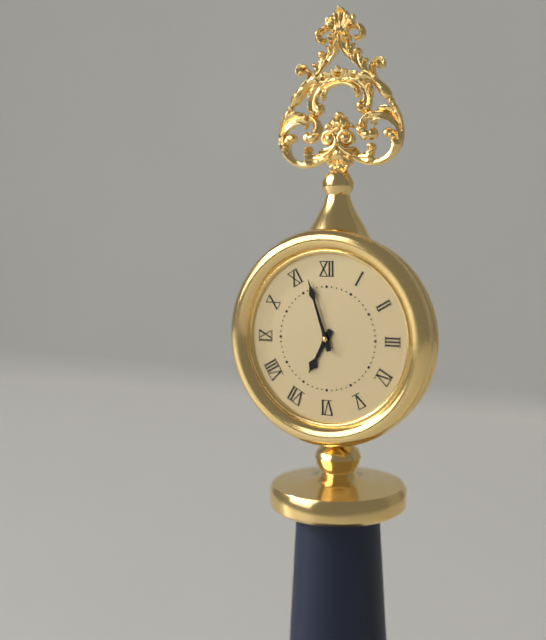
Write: 6,57
